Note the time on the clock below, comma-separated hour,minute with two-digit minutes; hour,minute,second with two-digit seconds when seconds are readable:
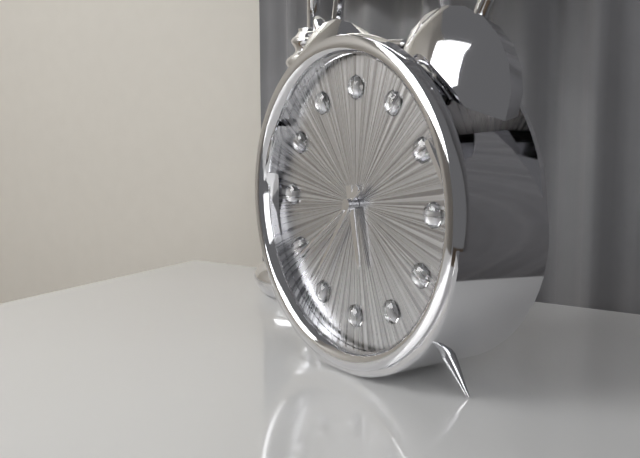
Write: 5,36,39
